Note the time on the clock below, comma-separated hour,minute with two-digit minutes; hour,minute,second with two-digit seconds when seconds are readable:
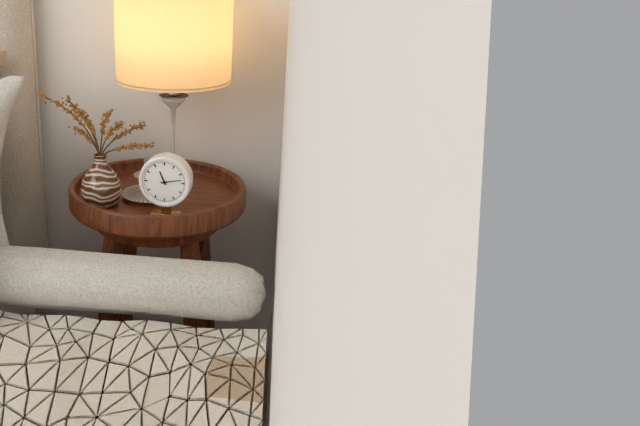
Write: 11,13
